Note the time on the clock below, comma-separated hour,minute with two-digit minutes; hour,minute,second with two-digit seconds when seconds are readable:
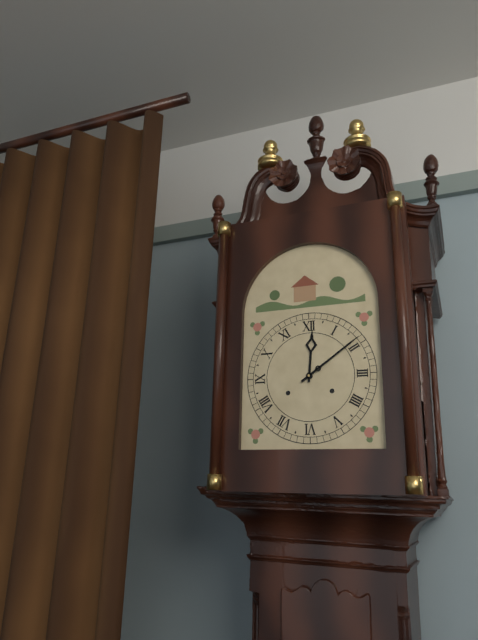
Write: 12,09
